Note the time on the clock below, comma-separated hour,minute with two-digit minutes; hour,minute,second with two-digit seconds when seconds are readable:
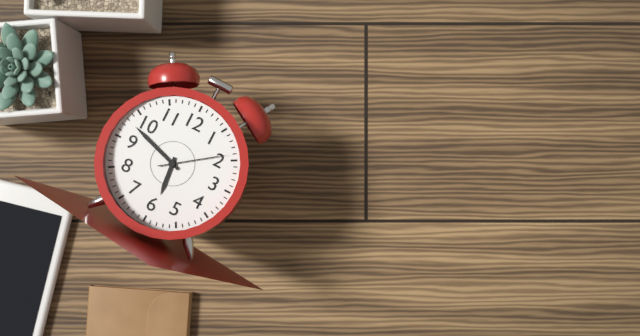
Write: 5,48,09
